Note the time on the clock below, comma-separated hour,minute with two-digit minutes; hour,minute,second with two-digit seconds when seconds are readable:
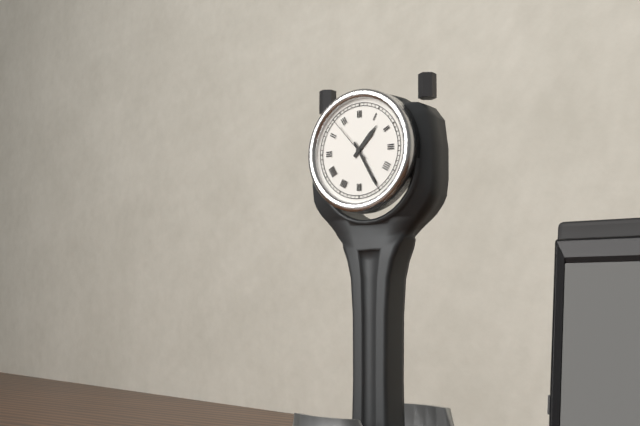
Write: 1,25,53
